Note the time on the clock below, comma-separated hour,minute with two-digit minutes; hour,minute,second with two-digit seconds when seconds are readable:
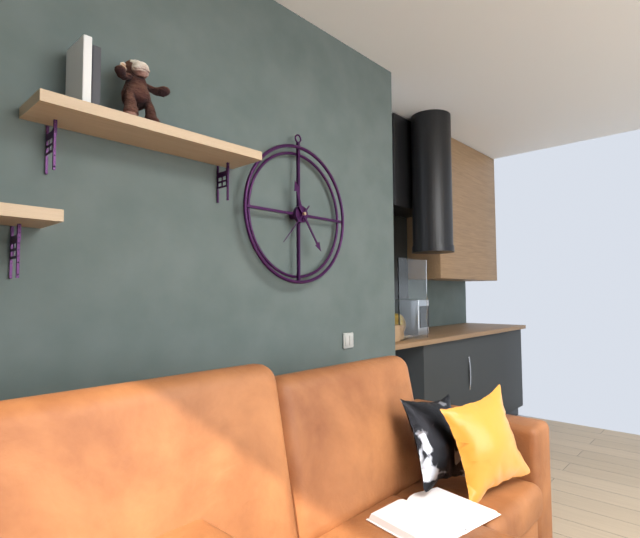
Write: 11,24
